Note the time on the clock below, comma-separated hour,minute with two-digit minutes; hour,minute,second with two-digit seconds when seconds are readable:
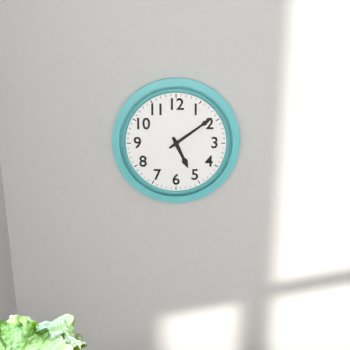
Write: 5,09
